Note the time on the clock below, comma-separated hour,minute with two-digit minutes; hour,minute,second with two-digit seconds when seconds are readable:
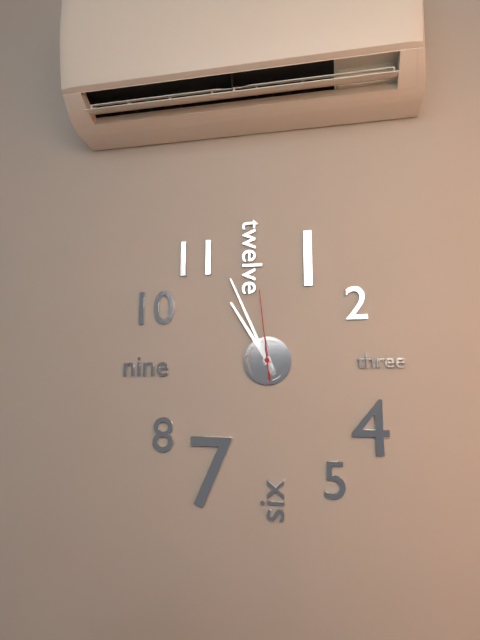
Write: 10,56,59
